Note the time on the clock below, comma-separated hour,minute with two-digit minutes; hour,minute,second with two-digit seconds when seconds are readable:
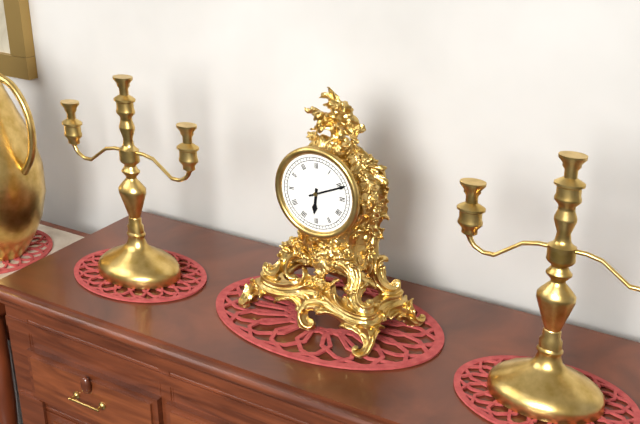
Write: 6,11
